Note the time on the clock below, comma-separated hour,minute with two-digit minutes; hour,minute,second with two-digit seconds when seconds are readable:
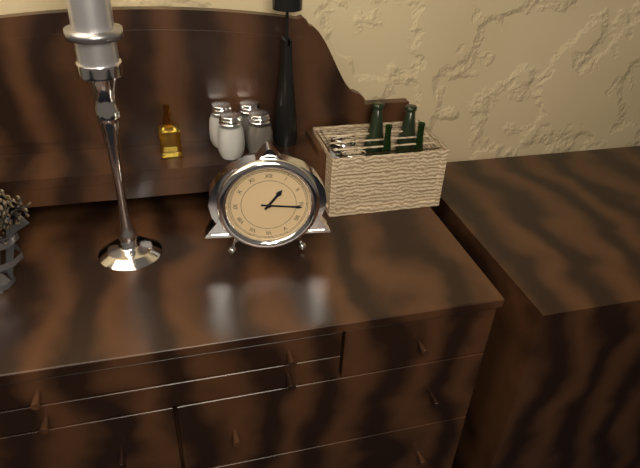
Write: 1,16
